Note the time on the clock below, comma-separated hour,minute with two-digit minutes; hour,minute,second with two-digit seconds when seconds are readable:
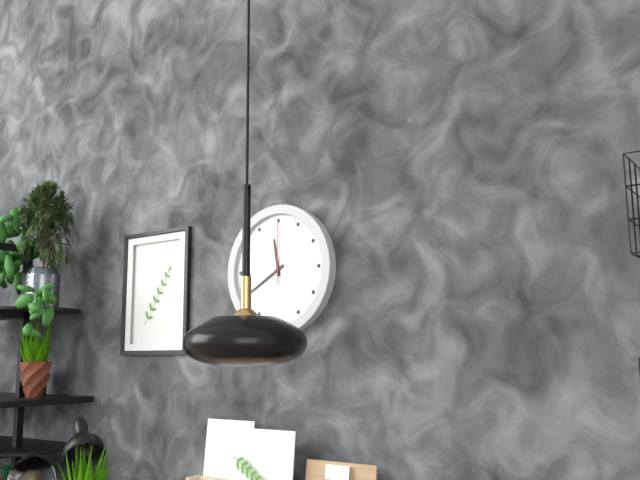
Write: 11,40,00
